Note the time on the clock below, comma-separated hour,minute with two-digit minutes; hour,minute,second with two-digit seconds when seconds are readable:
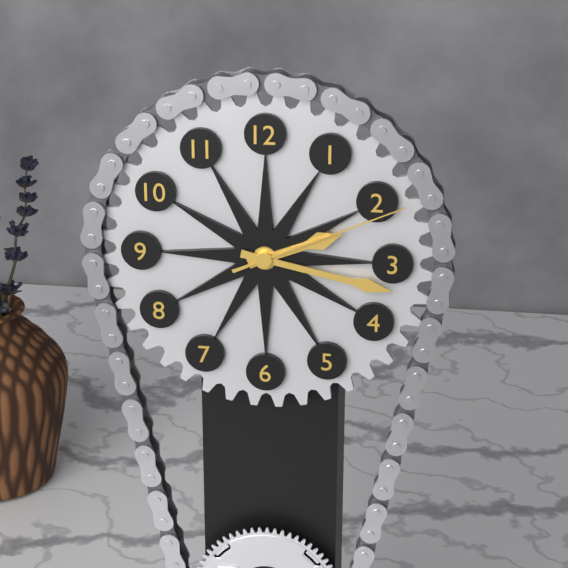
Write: 2,17,11
